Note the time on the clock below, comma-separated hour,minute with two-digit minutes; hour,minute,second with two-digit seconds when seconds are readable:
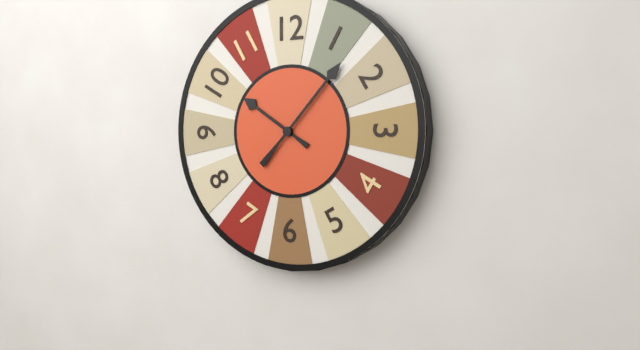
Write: 10,07
